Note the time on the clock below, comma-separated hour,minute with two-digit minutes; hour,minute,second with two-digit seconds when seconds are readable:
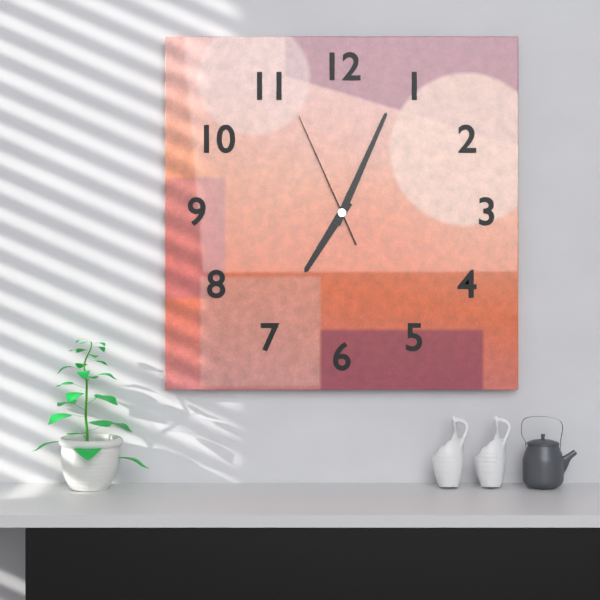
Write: 7,04,56
